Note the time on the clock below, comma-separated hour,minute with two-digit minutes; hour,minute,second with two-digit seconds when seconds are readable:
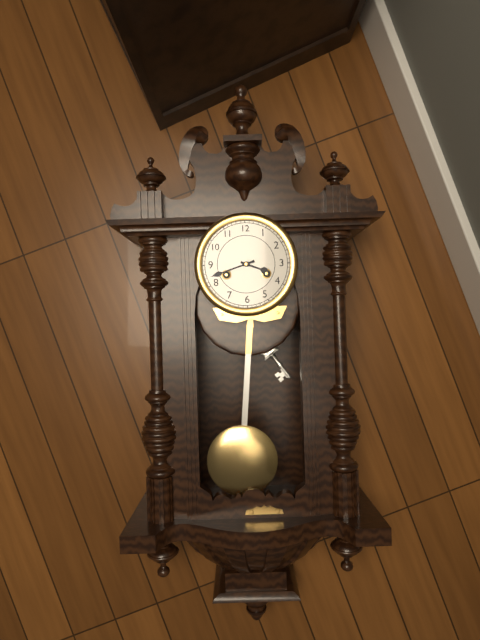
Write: 3,42
